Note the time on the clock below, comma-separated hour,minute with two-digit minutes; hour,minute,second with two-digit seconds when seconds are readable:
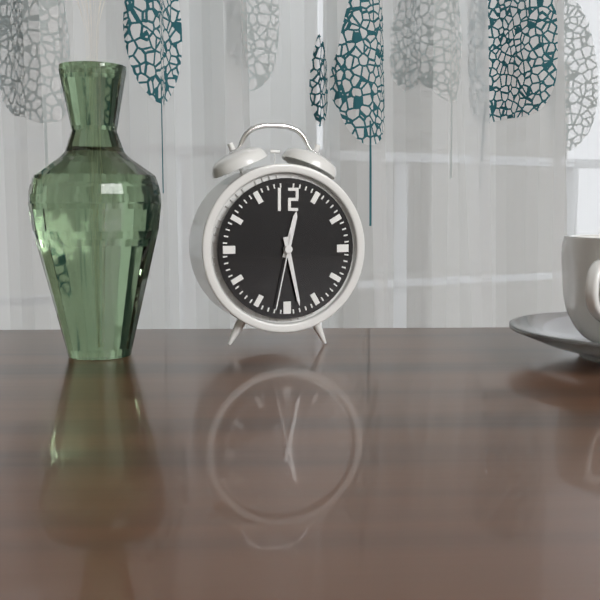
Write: 12,28,32
